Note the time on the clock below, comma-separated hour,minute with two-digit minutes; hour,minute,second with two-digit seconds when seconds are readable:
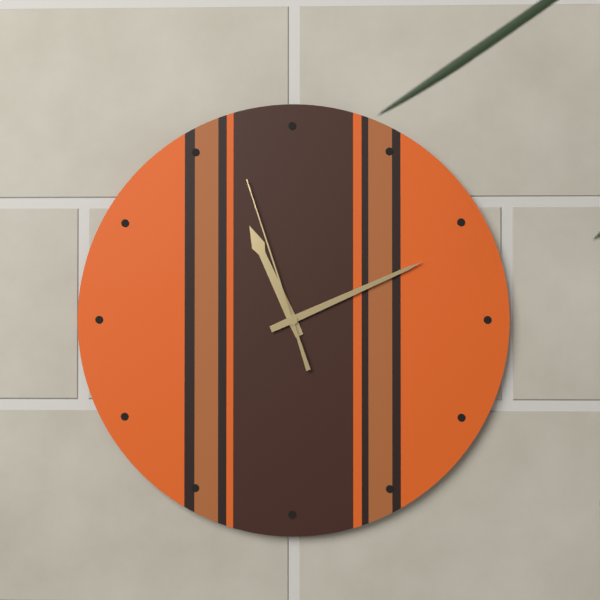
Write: 11,11,57
